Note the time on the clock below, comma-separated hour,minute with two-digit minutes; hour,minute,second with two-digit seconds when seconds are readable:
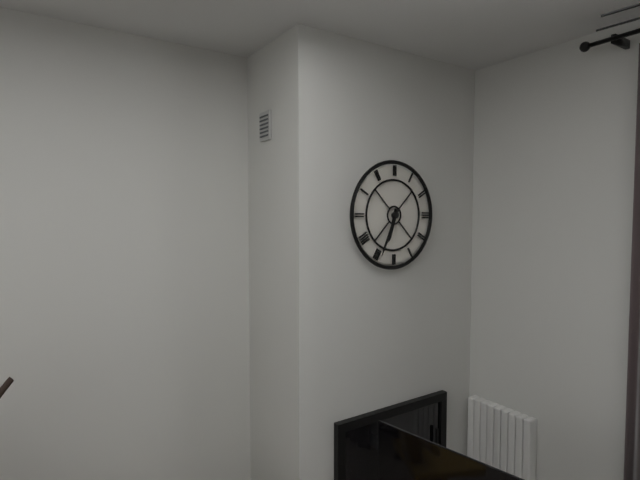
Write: 6,34
